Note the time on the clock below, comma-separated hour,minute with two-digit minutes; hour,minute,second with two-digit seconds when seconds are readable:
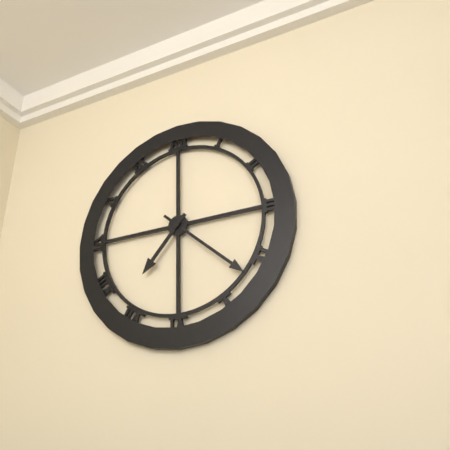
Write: 7,22
